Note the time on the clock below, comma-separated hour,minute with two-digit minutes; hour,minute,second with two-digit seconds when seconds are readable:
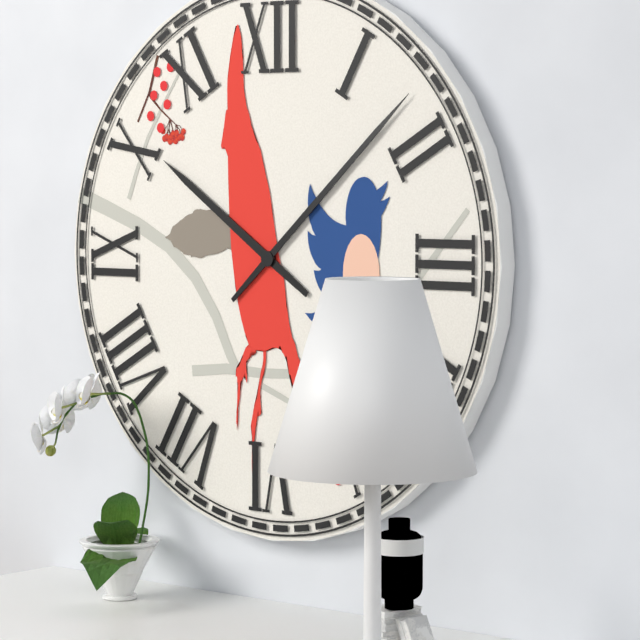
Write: 10,08
